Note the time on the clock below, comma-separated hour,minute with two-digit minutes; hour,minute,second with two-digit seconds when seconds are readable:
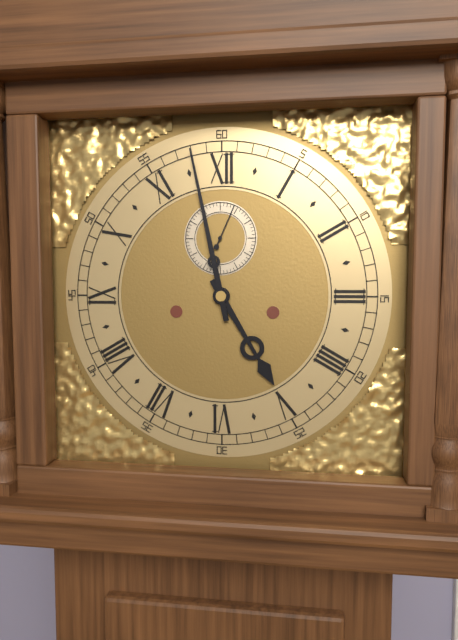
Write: 4,58
